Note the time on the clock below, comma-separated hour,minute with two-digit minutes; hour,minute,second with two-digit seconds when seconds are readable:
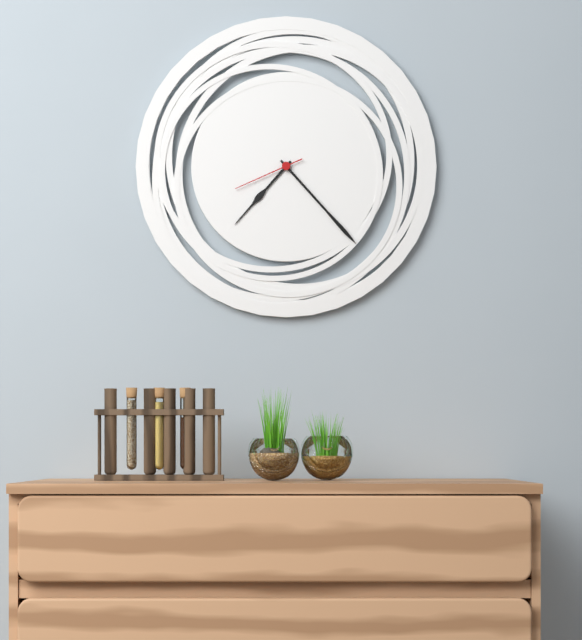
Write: 7,23,41
